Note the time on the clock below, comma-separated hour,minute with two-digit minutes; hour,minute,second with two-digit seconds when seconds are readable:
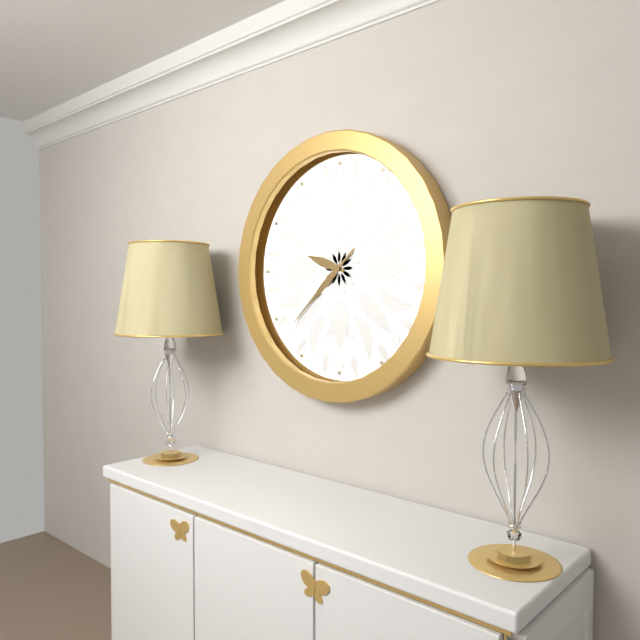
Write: 9,38
